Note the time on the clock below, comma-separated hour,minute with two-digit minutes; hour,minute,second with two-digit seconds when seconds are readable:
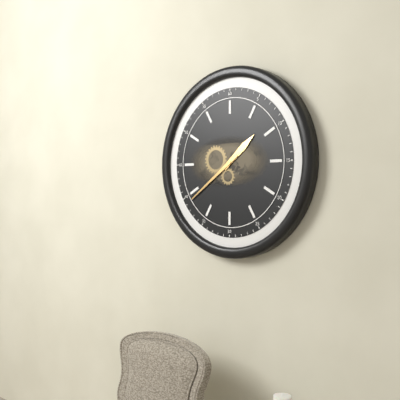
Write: 1,39
